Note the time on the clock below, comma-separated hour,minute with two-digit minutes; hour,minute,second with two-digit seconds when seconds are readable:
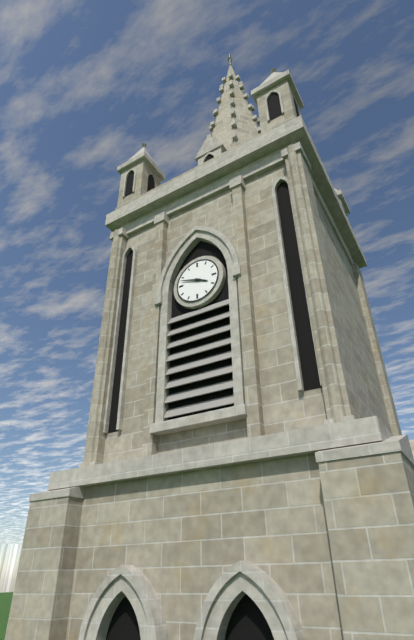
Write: 3,48
